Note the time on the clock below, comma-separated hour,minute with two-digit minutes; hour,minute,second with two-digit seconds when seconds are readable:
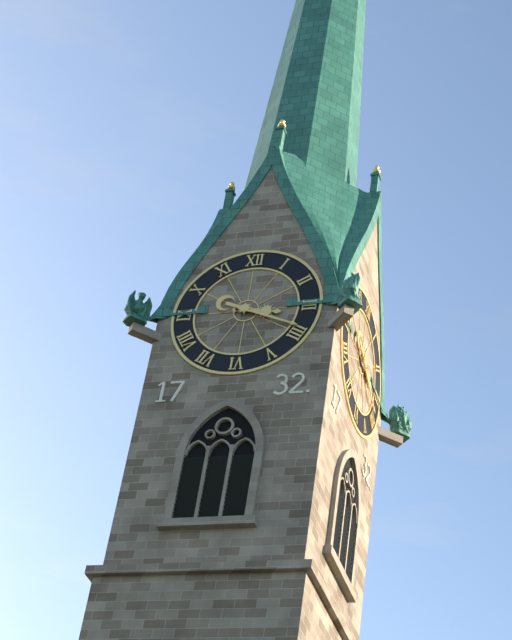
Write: 3,19
